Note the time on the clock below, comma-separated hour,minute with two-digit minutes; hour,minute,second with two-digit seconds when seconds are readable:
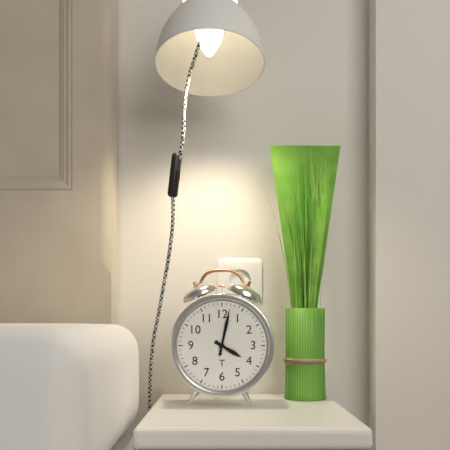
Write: 4,02
